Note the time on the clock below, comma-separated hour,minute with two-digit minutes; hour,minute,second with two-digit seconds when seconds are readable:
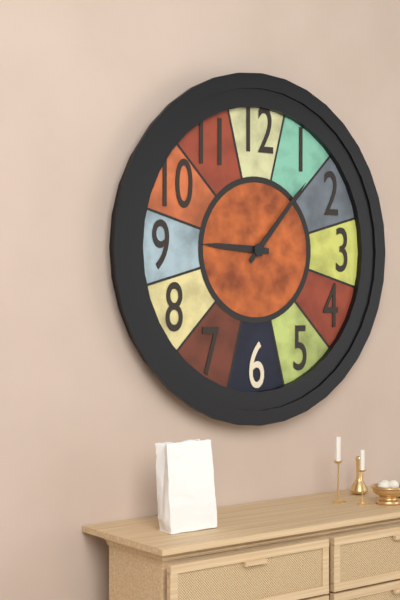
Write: 9,07
